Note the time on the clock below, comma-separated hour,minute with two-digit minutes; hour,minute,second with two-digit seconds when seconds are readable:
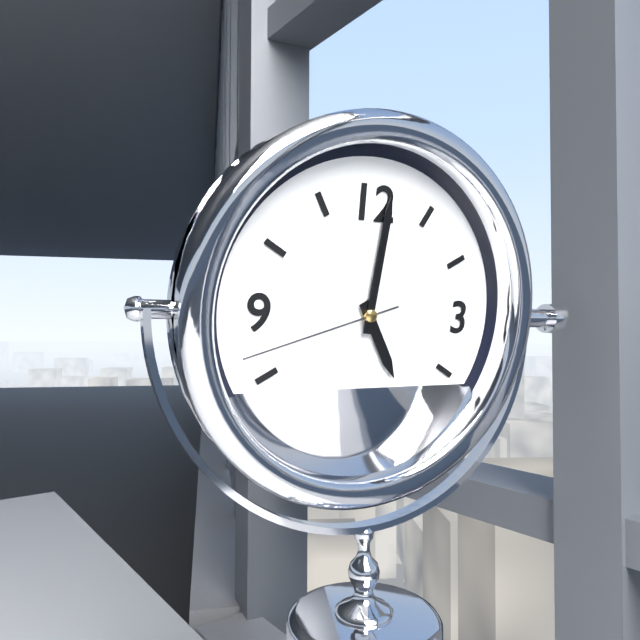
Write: 5,01,42
